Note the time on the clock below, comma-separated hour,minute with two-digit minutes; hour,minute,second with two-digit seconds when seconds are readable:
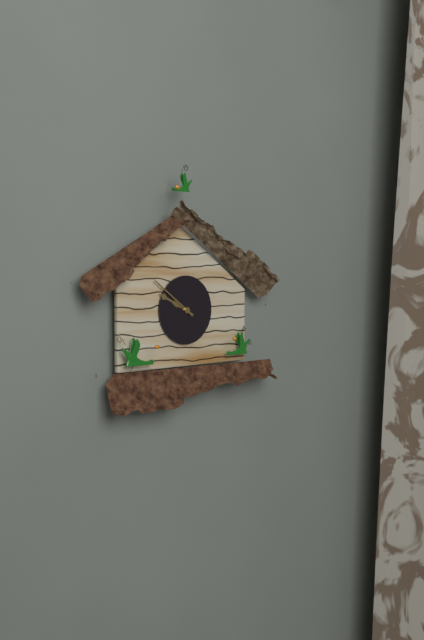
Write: 9,51
